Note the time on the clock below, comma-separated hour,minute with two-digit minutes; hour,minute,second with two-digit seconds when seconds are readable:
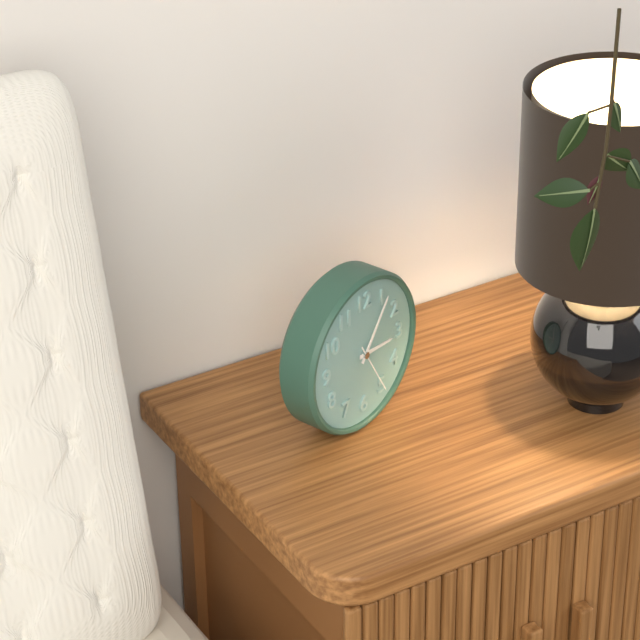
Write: 3,06
